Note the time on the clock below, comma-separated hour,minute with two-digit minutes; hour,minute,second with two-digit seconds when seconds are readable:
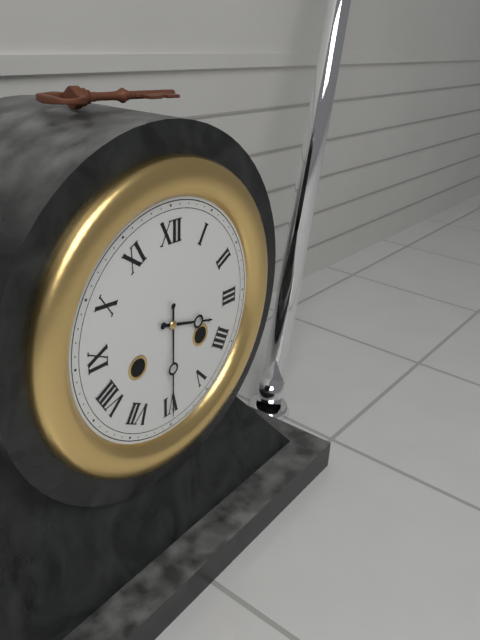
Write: 3,30
